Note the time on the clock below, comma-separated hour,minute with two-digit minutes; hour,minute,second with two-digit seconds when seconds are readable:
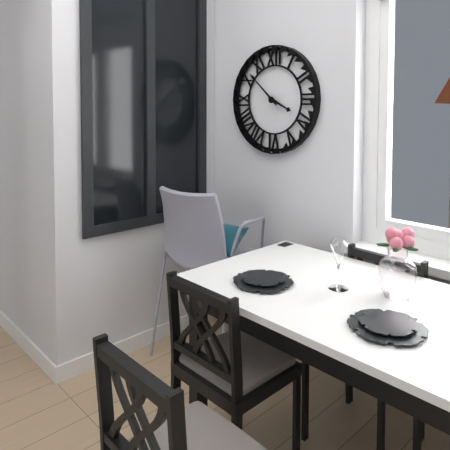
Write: 3,52
